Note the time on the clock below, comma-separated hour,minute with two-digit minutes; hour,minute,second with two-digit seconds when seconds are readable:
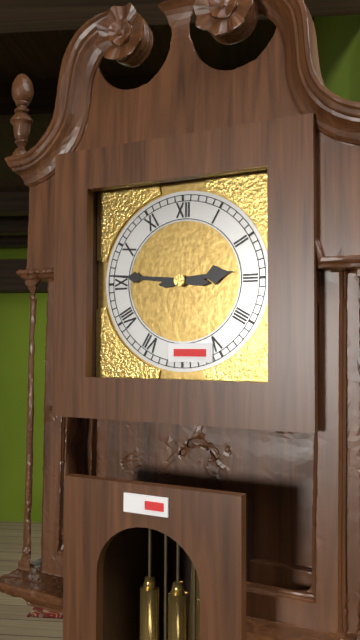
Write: 2,46
